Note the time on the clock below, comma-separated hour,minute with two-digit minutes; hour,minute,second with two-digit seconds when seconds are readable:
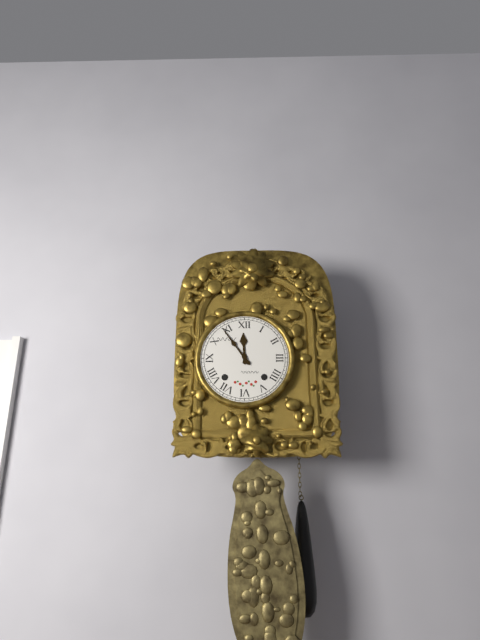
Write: 11,54
